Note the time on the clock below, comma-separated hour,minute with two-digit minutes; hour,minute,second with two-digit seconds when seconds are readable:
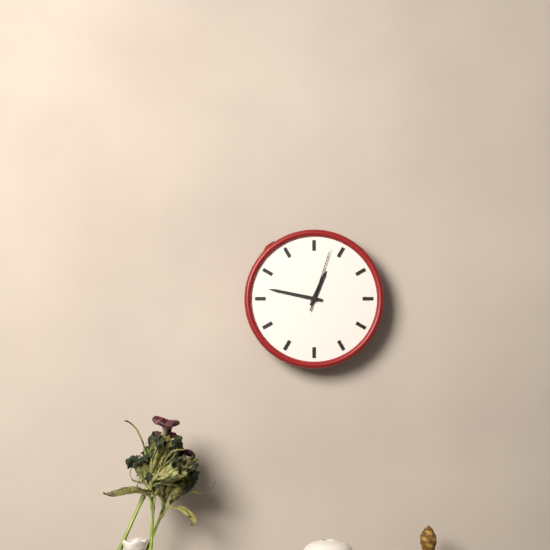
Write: 12,47,03
